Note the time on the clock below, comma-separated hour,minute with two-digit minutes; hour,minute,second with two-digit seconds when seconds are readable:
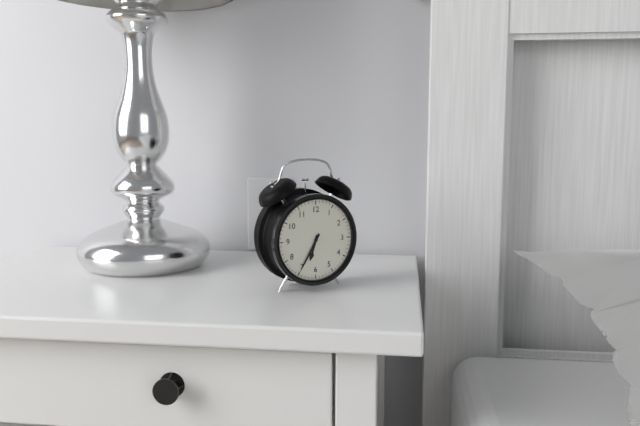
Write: 6,35
